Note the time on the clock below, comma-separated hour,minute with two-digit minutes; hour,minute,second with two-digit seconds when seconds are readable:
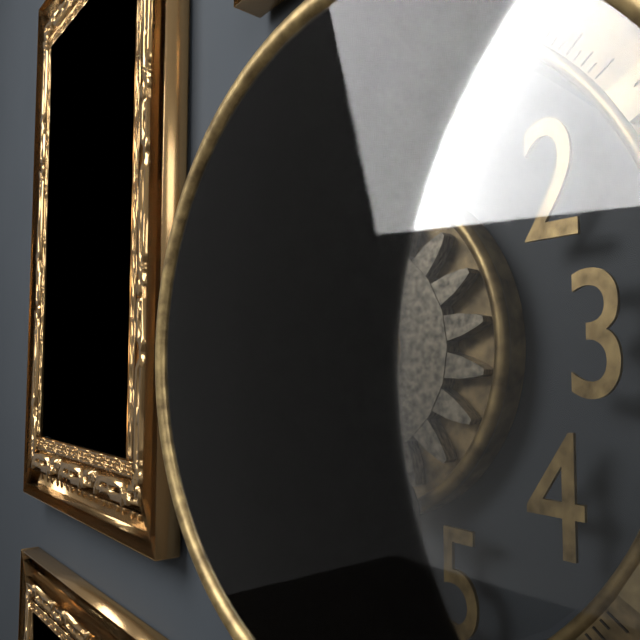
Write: 5,01
